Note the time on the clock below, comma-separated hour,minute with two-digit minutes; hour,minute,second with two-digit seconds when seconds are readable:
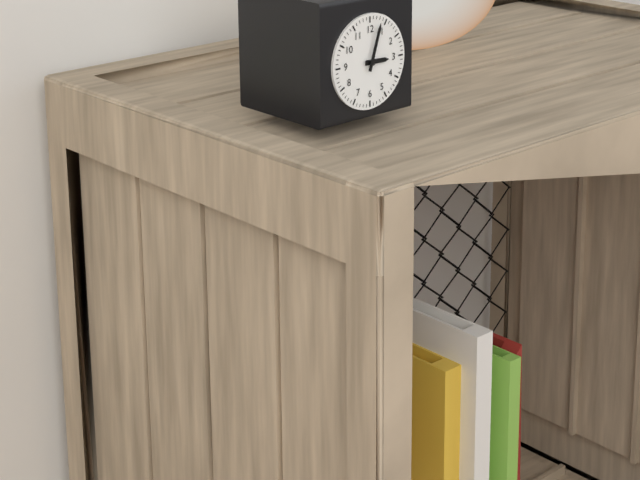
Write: 3,03
